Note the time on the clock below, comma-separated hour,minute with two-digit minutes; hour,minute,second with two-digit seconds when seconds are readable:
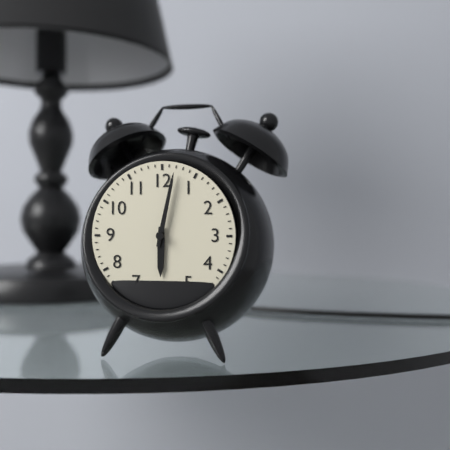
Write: 6,02
